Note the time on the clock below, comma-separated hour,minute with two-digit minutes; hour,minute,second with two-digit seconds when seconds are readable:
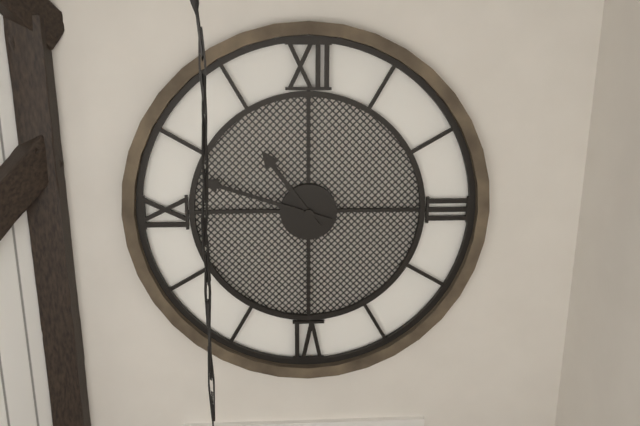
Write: 10,48
